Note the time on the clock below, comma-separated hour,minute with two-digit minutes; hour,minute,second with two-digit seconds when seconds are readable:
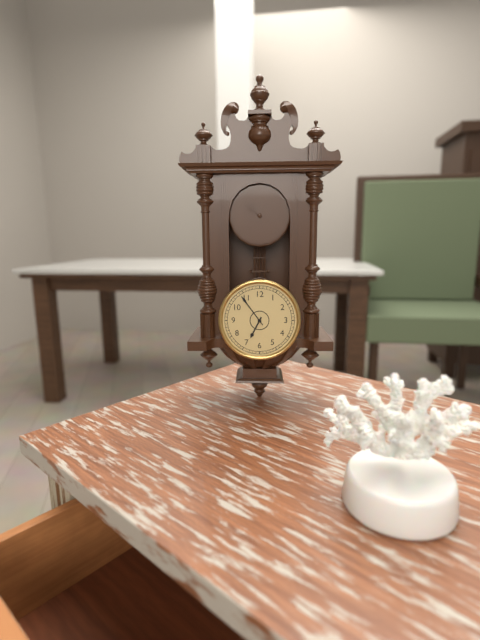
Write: 6,54
